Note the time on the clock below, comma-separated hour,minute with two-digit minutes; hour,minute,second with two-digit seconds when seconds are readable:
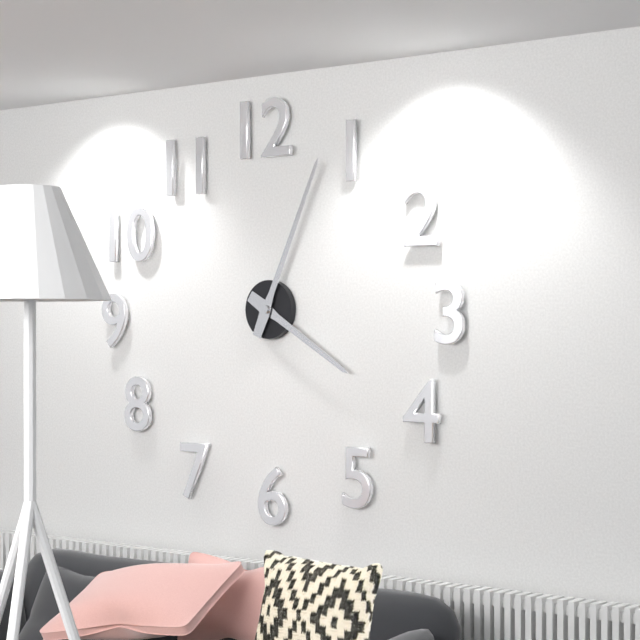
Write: 4,04
